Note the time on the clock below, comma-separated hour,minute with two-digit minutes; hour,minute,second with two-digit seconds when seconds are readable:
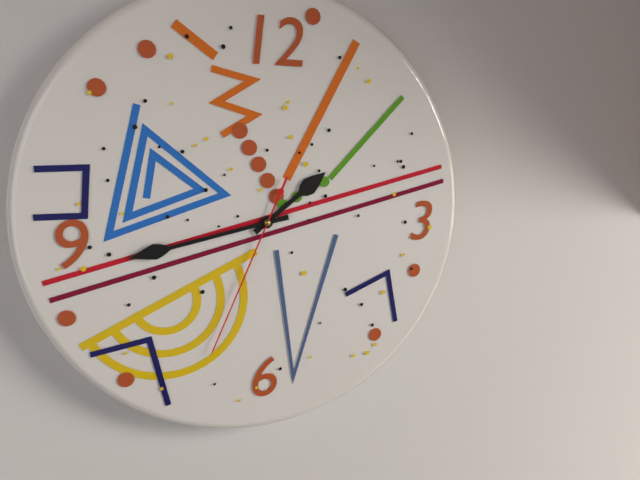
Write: 1,43,34
